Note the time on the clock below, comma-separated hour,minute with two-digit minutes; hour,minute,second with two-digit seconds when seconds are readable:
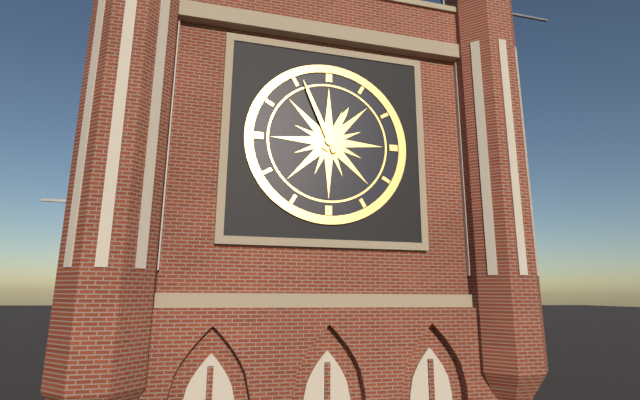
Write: 12,56
